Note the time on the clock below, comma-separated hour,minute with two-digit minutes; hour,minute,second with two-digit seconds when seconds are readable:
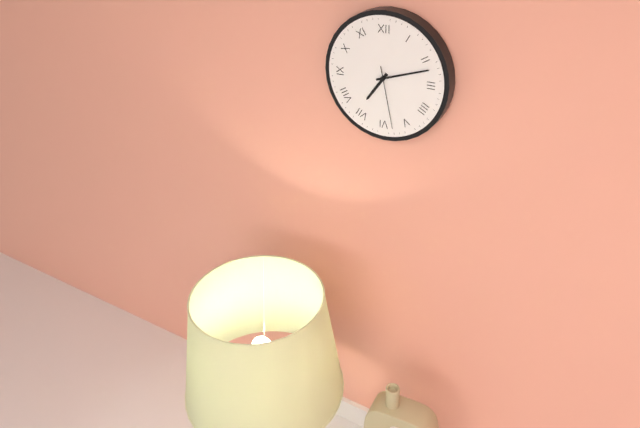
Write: 7,12,28
